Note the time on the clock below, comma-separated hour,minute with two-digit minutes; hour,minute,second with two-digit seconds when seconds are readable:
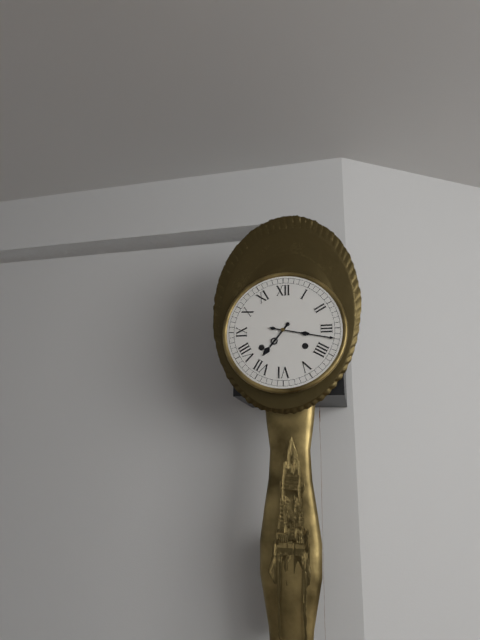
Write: 7,17
